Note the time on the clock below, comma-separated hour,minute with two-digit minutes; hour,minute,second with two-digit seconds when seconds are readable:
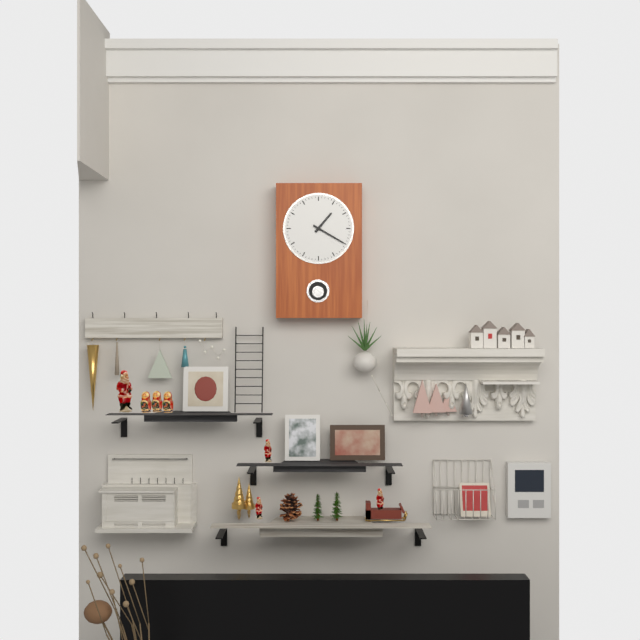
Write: 1,20
